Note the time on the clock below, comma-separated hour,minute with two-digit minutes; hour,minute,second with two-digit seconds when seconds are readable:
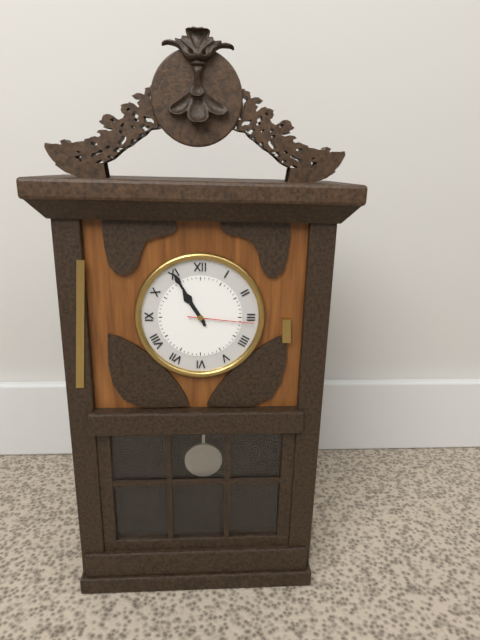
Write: 10,55,16
